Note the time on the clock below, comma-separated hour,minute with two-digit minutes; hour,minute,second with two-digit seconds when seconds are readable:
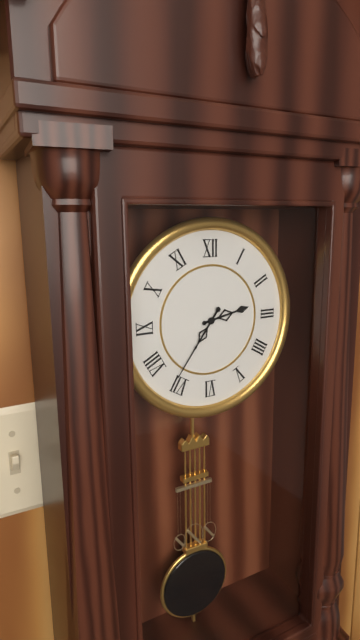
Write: 2,36
